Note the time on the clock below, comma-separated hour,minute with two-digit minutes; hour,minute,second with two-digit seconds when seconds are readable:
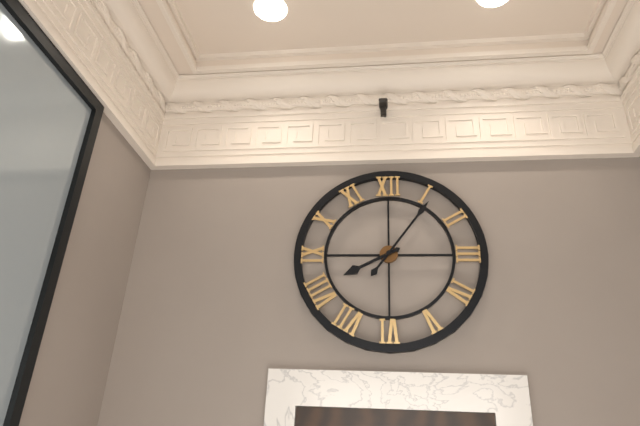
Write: 8,06
